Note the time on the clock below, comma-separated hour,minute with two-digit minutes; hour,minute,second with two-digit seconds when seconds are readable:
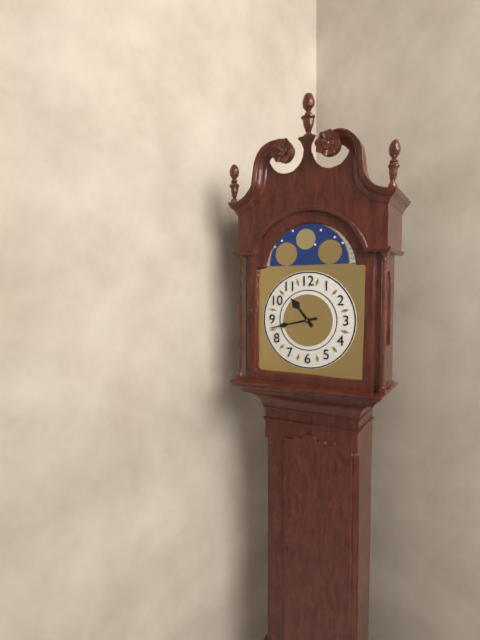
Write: 10,43
